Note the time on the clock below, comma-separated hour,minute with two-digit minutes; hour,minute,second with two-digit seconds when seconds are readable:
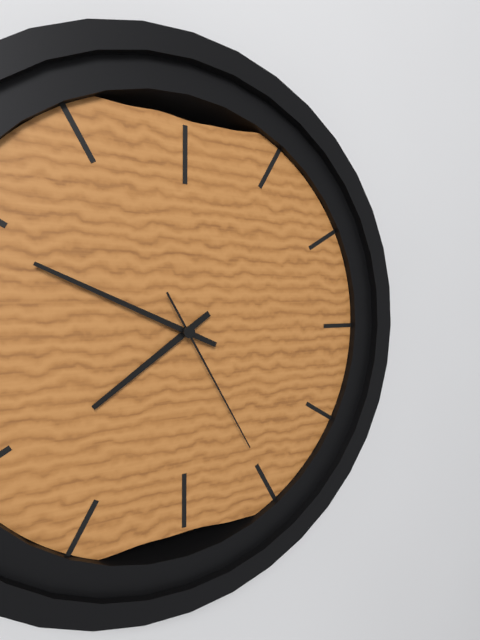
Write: 7,49,25
